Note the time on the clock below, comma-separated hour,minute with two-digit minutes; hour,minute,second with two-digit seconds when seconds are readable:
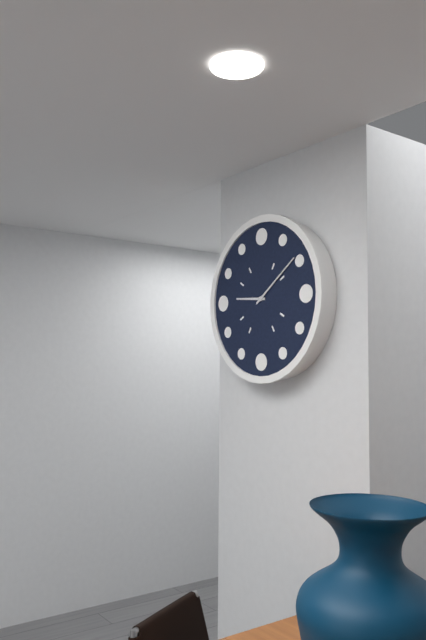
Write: 9,09
